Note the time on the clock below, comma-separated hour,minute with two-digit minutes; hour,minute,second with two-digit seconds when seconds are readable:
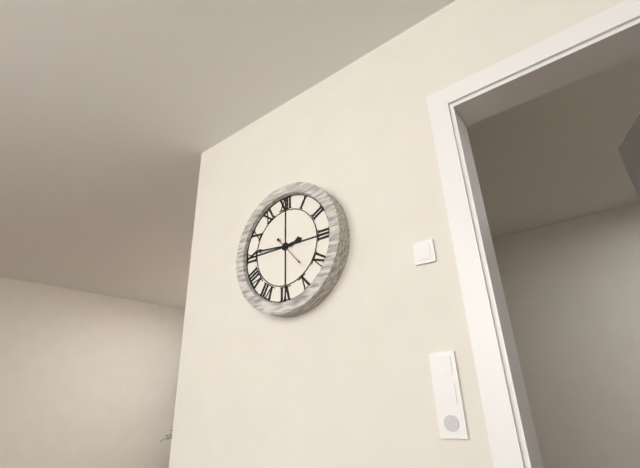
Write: 2,46
